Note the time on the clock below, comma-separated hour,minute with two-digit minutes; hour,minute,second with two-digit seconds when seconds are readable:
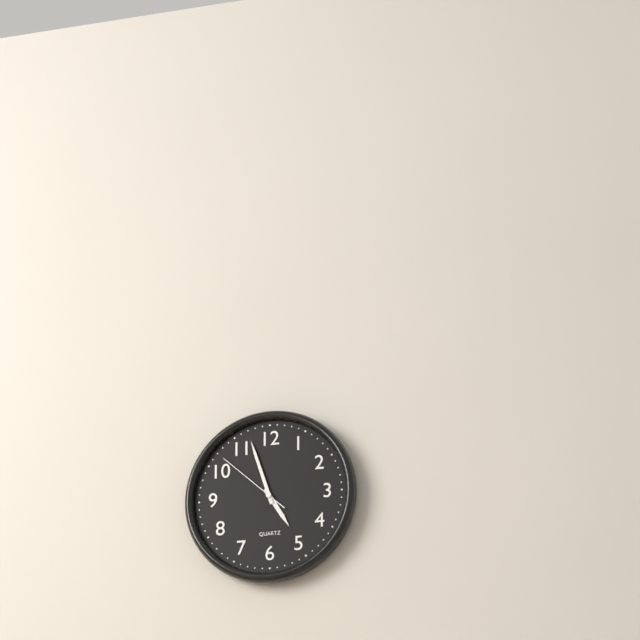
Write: 4,57,52
